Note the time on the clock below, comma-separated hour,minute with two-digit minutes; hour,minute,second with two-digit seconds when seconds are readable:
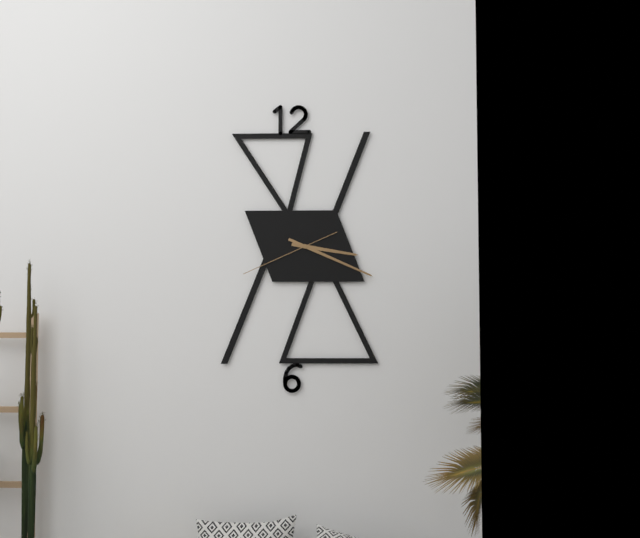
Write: 3,19,41
